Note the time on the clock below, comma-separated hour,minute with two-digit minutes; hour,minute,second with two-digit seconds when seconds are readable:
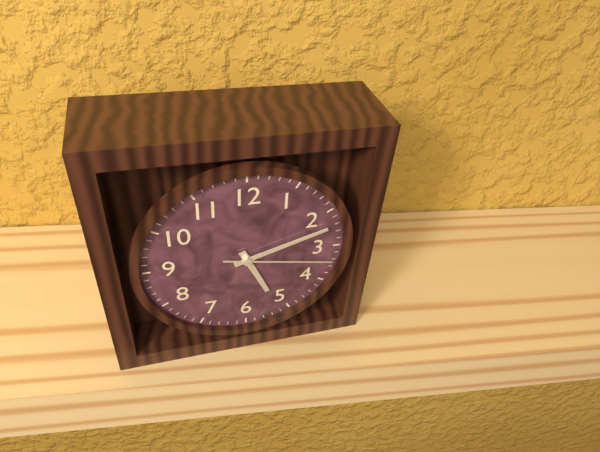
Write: 5,12,17
